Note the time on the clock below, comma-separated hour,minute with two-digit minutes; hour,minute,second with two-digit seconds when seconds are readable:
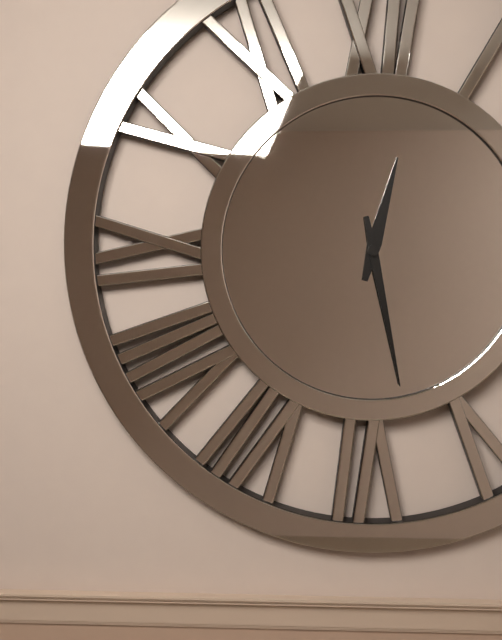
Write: 12,28
